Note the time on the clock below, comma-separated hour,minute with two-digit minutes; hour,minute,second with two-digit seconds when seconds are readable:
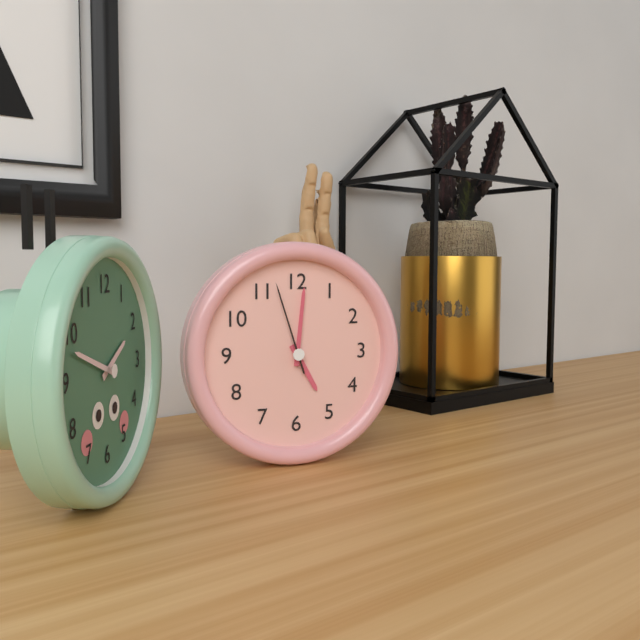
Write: 5,01,57
